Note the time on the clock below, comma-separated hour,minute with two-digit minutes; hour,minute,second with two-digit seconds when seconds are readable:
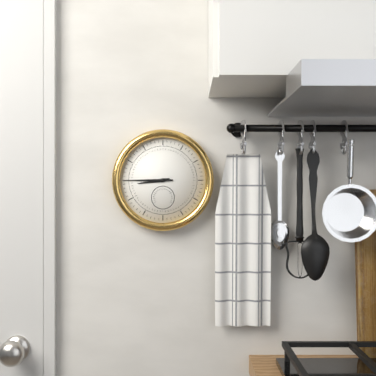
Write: 8,45
